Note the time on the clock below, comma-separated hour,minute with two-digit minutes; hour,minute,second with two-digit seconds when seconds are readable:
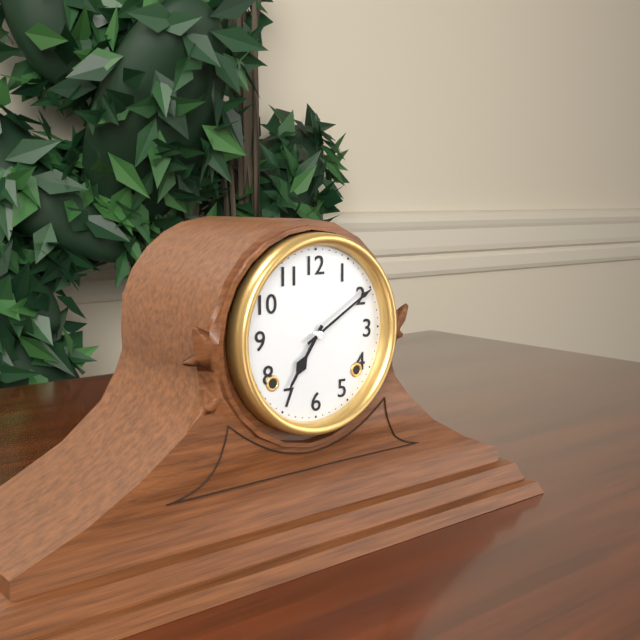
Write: 7,10
